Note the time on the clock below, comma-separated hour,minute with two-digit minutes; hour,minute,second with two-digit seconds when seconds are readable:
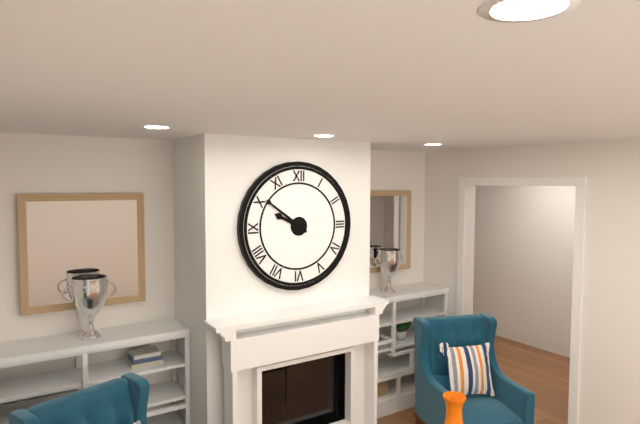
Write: 9,51
